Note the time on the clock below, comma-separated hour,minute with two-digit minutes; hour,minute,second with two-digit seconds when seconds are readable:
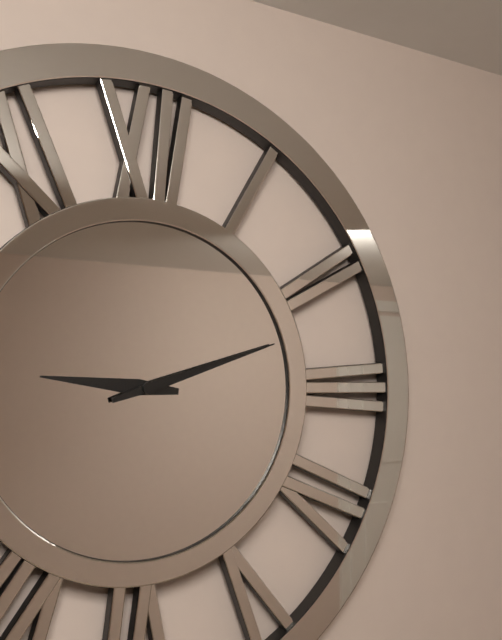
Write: 9,12
